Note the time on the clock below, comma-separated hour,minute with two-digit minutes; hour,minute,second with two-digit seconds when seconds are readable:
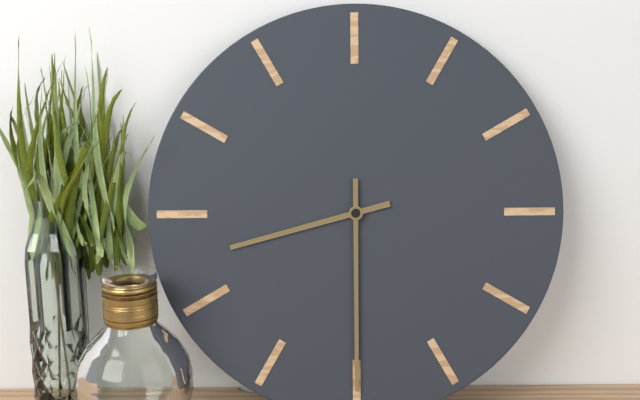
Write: 8,30
